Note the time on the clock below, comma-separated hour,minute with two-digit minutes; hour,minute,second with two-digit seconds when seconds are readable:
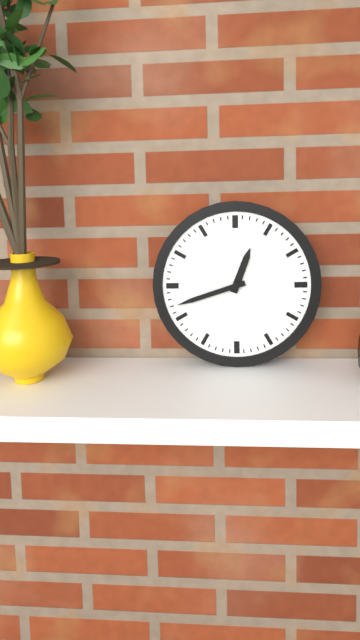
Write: 12,42
